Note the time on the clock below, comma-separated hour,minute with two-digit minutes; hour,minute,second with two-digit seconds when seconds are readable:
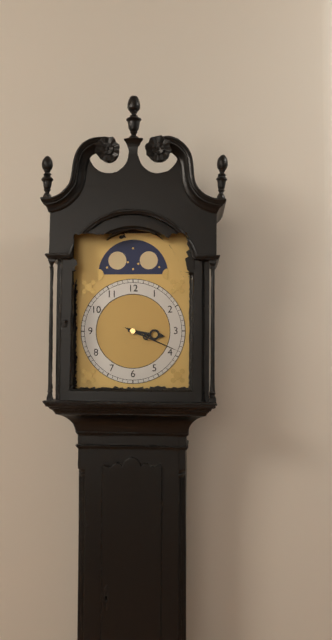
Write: 3,19
